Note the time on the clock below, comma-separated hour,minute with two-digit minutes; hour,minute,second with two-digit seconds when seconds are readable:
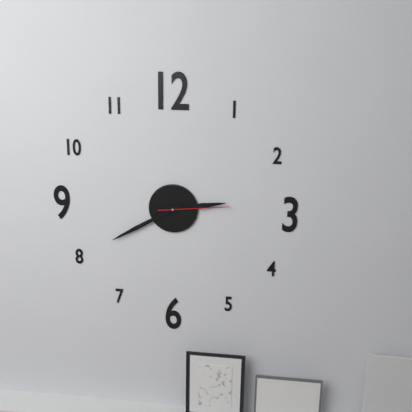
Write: 2,40,14
